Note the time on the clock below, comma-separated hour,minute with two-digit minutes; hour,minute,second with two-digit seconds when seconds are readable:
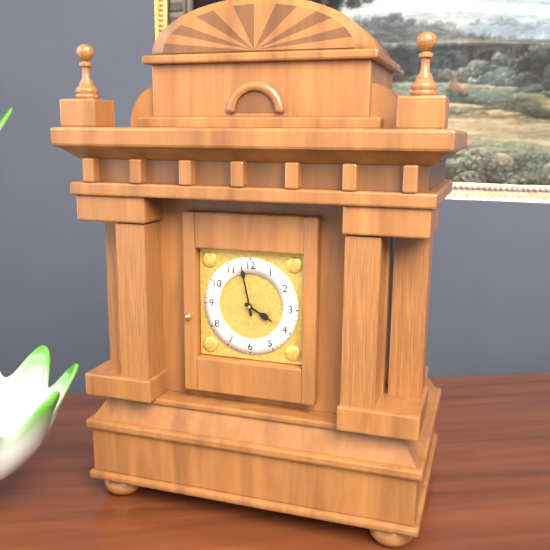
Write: 3,58
